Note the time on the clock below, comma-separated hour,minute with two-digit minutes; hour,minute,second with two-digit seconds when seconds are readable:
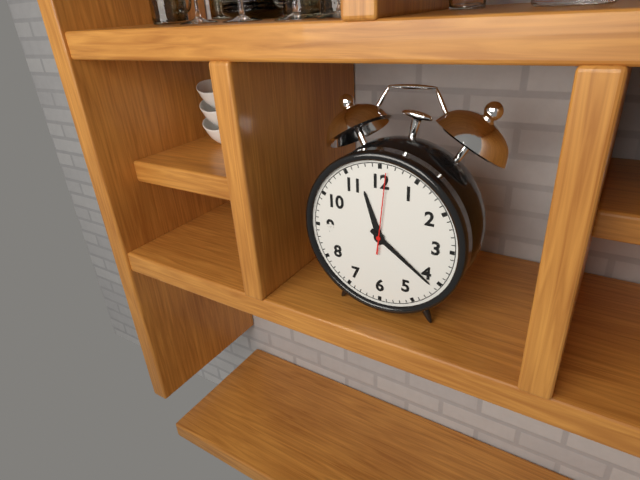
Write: 11,21,01
